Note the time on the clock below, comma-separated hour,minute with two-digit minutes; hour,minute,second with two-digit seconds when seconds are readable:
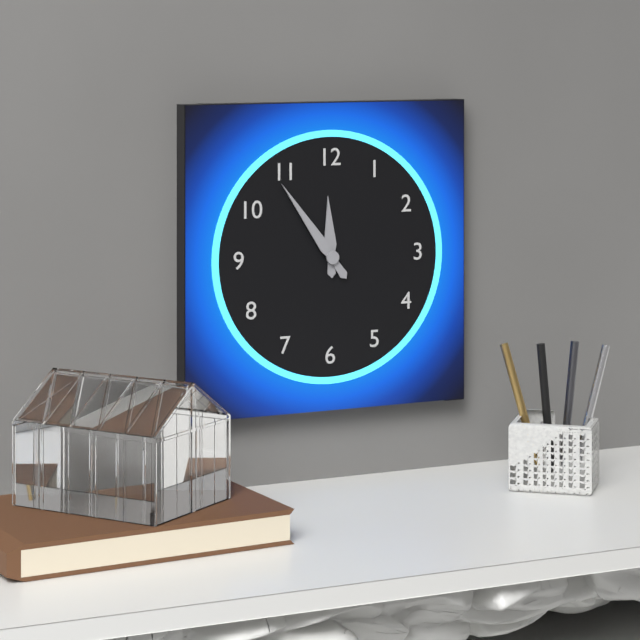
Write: 11,54
